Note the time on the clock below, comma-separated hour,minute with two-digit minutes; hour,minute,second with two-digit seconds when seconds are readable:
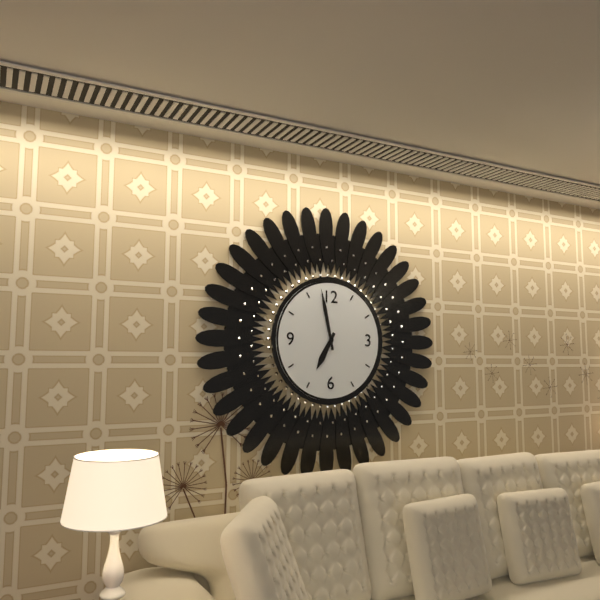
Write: 6,58
